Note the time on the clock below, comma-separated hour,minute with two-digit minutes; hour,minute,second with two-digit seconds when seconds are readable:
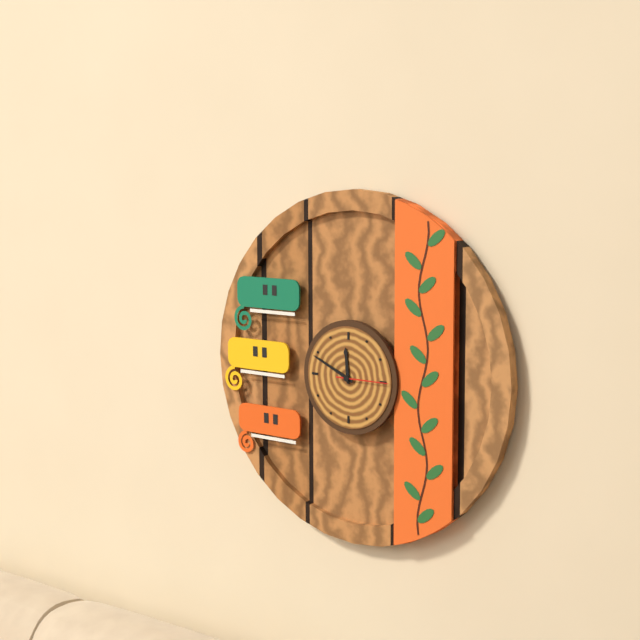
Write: 11,49,15
